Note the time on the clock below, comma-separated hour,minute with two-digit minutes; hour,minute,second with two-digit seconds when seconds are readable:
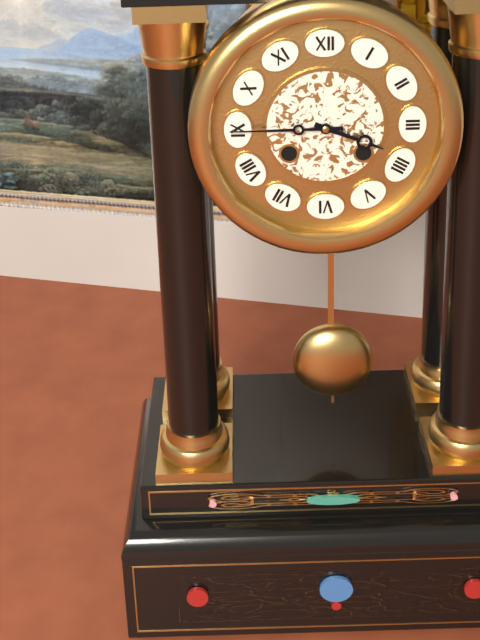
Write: 3,45
